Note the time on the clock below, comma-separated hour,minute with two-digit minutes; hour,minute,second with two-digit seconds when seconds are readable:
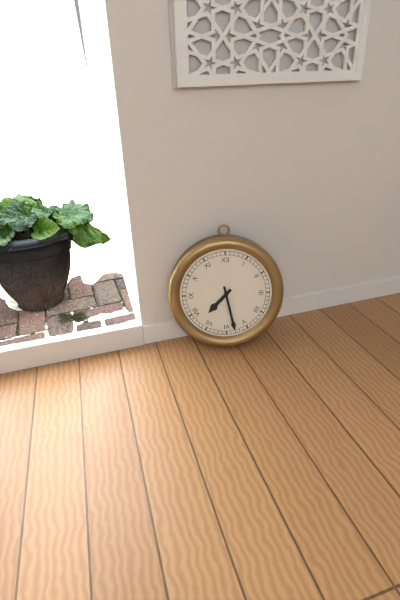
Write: 7,28
